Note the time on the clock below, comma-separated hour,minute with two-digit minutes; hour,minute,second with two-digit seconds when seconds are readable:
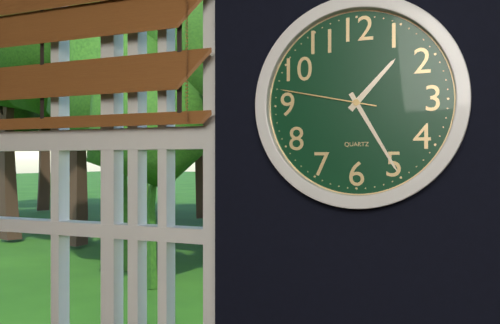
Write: 1,25,47
